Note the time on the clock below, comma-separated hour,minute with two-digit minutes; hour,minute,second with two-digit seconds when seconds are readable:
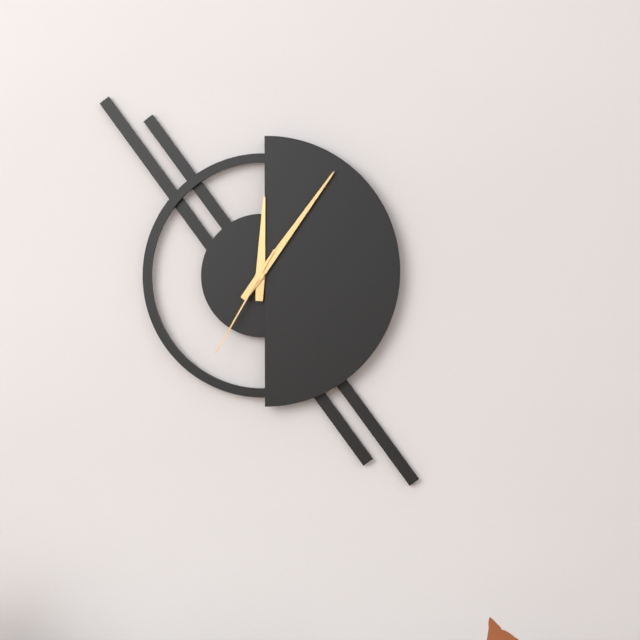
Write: 12,06,35
